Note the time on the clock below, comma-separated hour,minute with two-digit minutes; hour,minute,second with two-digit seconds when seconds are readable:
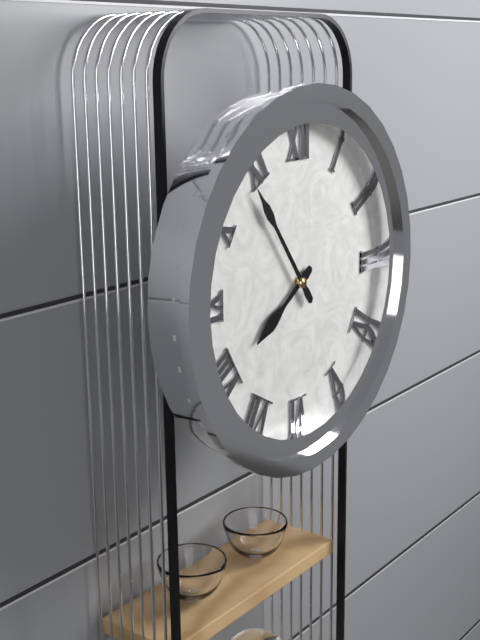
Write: 7,54
